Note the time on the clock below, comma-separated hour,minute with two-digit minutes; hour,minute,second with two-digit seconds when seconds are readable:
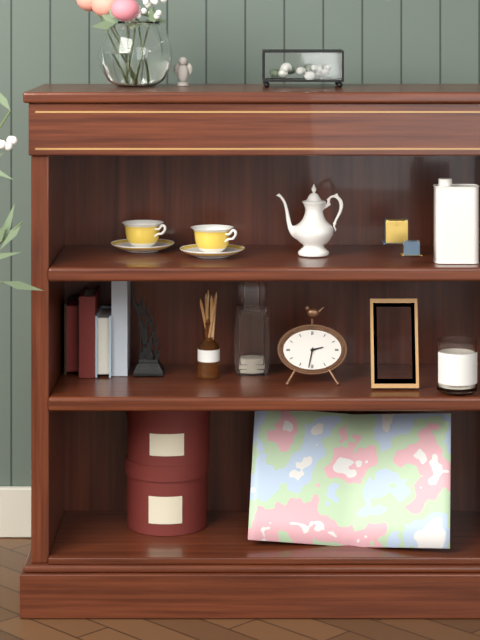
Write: 2,32
